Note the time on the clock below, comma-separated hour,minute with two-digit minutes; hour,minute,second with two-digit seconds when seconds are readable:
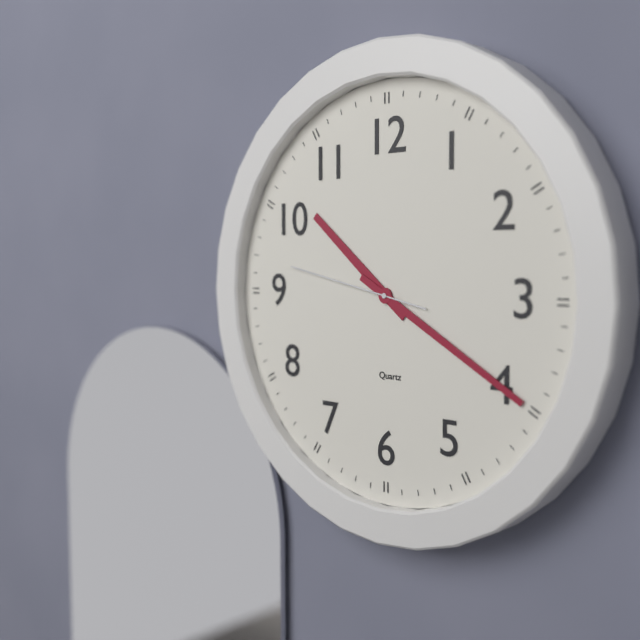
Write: 10,20,47
